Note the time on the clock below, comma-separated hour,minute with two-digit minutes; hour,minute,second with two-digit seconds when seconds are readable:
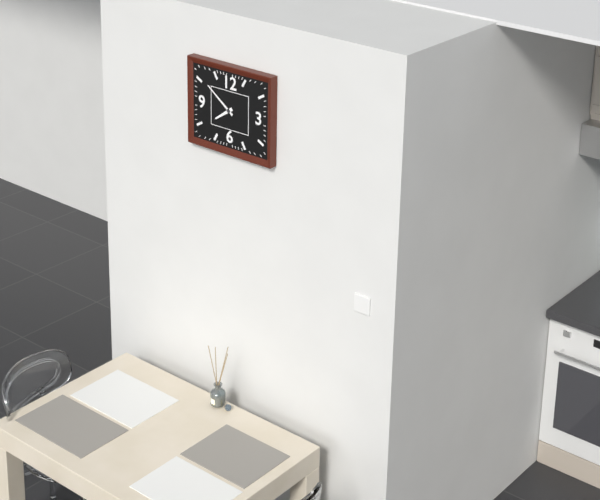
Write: 7,51
